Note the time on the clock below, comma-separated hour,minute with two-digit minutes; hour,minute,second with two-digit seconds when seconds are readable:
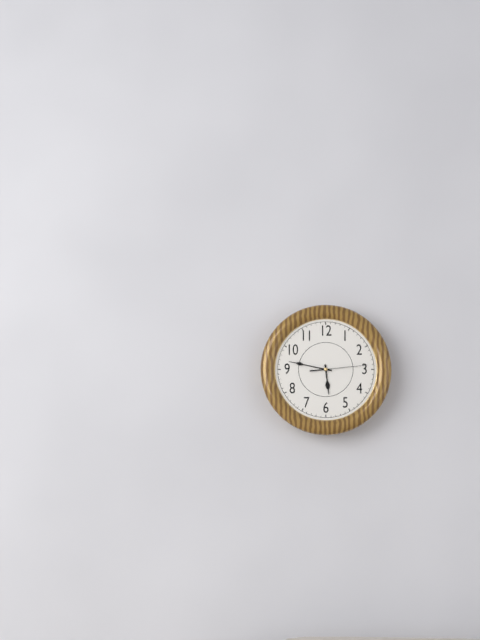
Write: 5,47,14
